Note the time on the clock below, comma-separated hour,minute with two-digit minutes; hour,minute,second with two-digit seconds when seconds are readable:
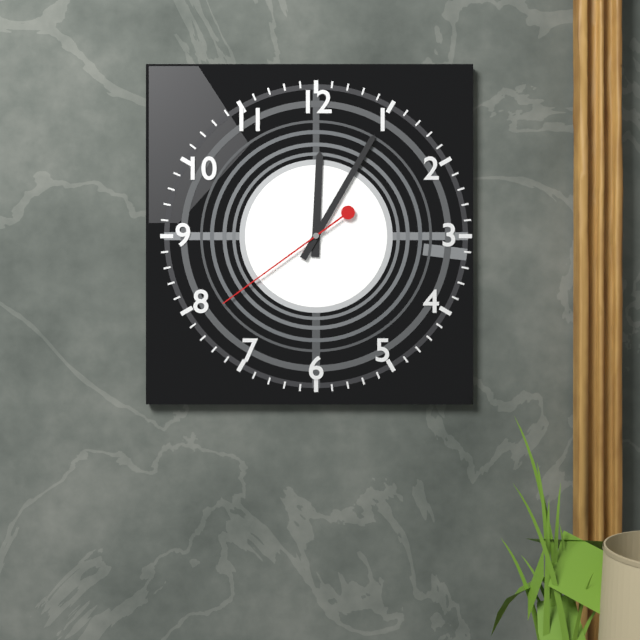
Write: 12,05,39
